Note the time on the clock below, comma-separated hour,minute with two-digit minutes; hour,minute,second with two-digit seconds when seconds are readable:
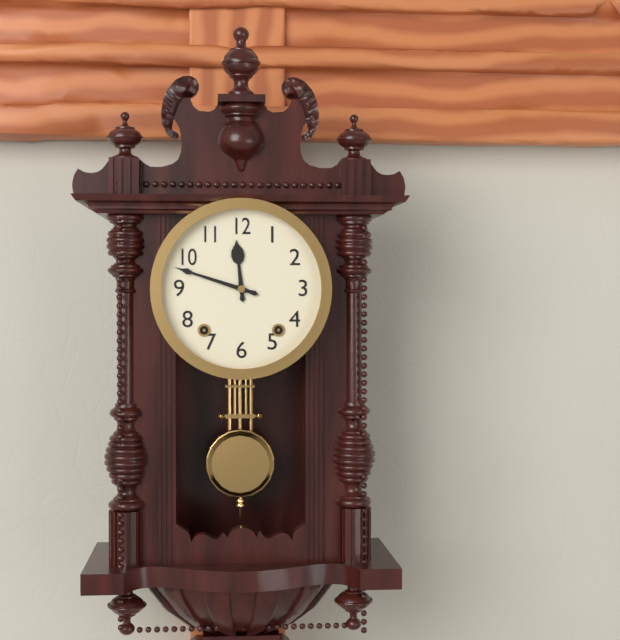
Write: 11,48
